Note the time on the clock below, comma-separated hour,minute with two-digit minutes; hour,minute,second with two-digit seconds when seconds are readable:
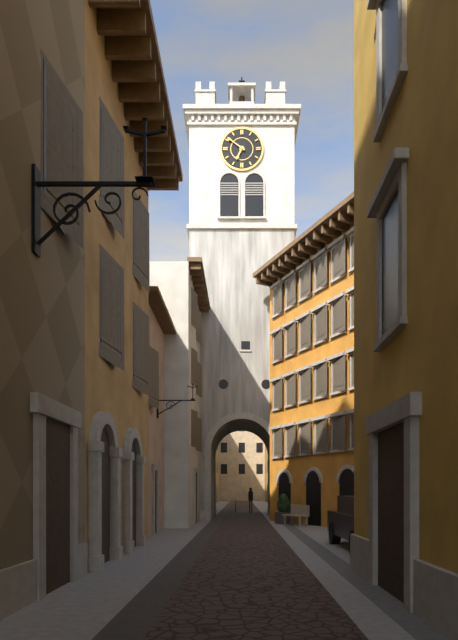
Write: 6,51
